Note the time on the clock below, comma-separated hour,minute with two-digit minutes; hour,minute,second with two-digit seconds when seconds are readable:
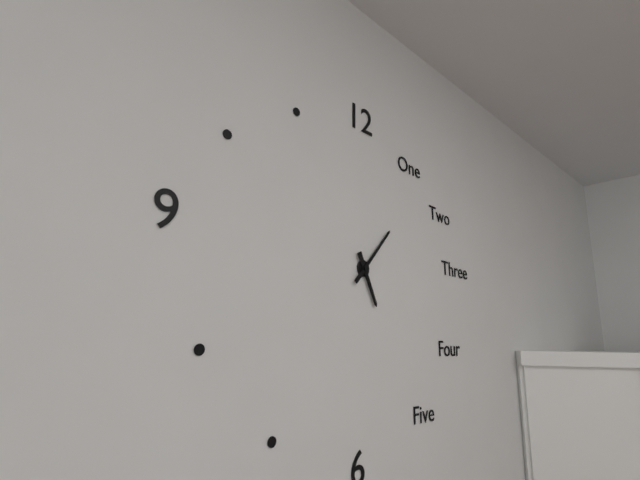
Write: 5,07
